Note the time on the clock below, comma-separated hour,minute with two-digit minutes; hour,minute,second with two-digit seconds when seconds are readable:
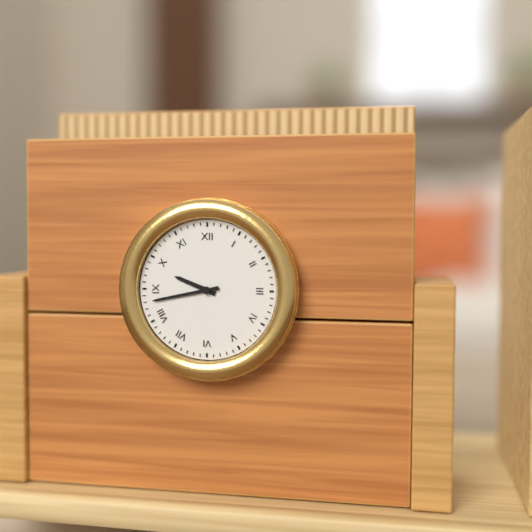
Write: 9,43
